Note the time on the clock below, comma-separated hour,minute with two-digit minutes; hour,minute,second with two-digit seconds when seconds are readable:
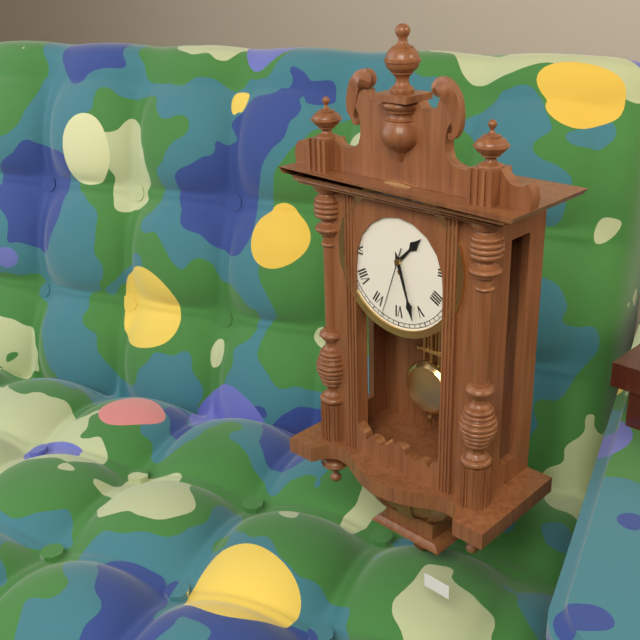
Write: 1,27,33
